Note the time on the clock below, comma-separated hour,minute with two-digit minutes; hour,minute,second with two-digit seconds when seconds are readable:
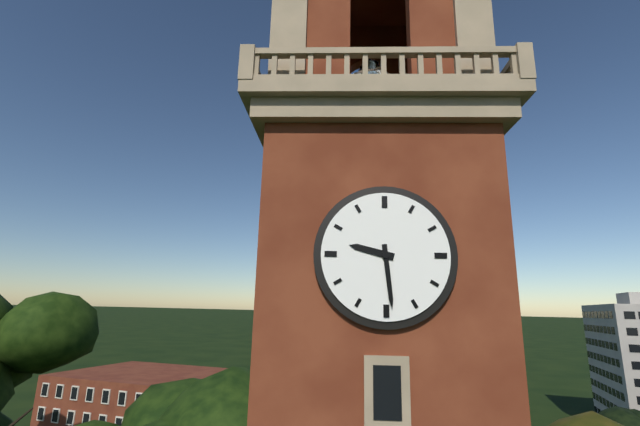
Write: 9,29
